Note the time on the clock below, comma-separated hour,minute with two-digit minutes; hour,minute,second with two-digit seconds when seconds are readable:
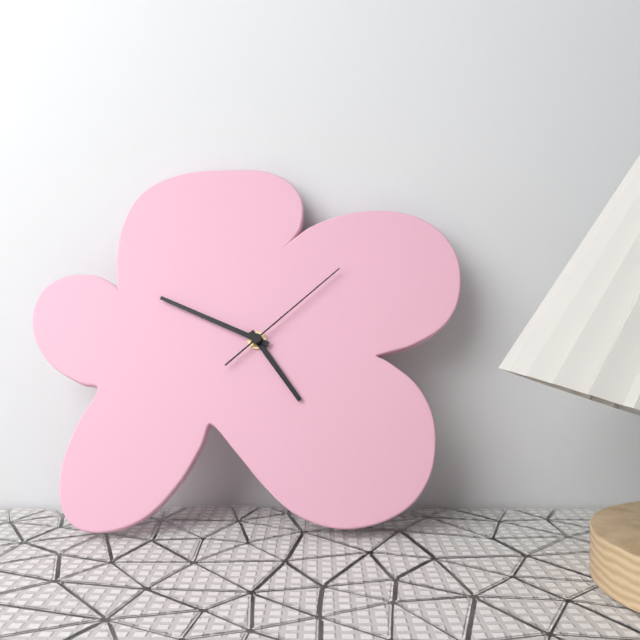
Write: 4,49,08
